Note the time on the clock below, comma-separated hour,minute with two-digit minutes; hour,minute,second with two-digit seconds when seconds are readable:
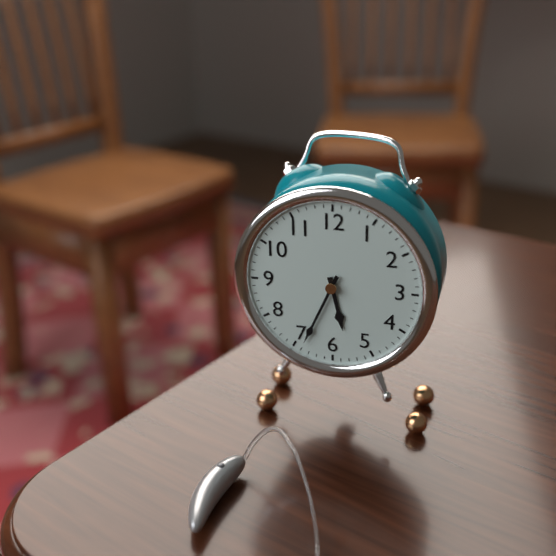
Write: 5,34
